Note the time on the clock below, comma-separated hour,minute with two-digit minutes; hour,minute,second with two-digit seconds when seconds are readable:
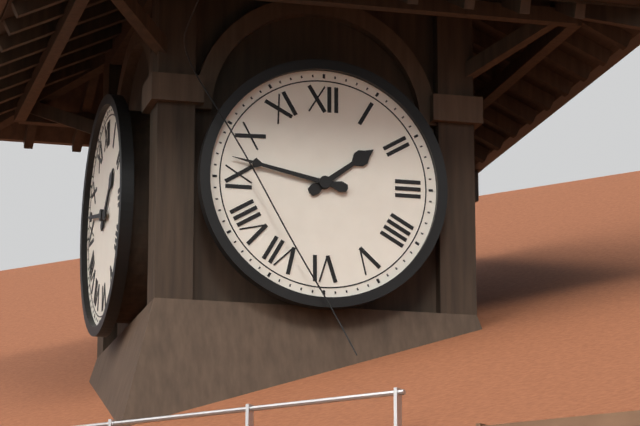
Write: 1,47
